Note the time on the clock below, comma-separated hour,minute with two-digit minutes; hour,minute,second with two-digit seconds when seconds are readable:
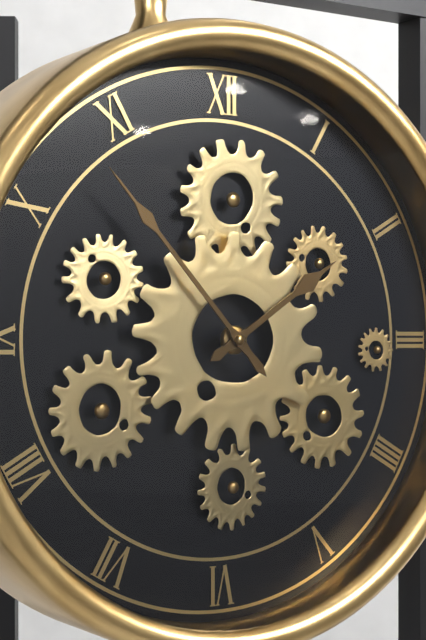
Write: 1,53
